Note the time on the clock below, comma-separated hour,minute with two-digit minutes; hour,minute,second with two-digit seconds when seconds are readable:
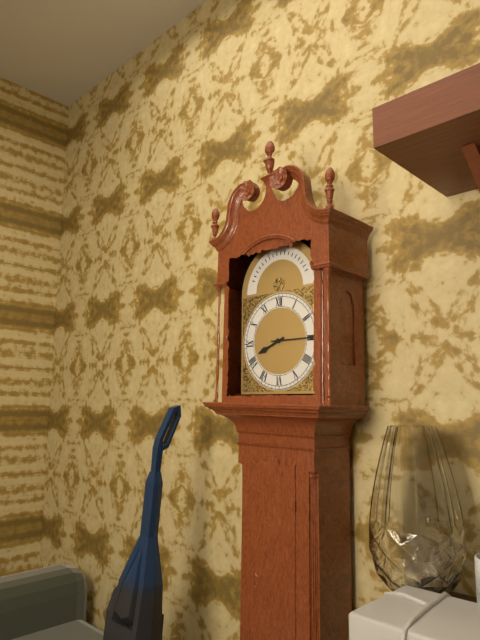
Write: 8,15
